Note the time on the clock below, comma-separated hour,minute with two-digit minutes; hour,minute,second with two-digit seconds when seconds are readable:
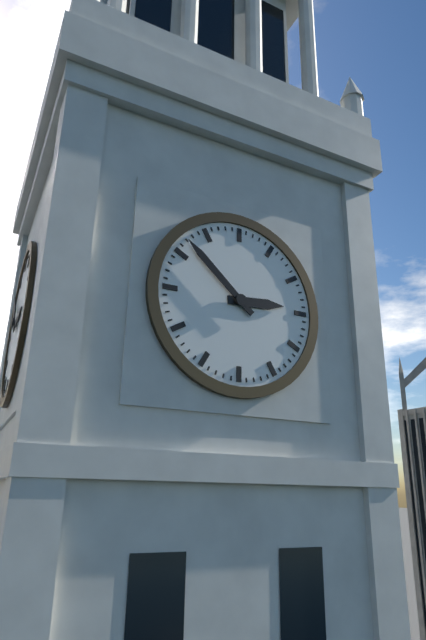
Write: 2,52
